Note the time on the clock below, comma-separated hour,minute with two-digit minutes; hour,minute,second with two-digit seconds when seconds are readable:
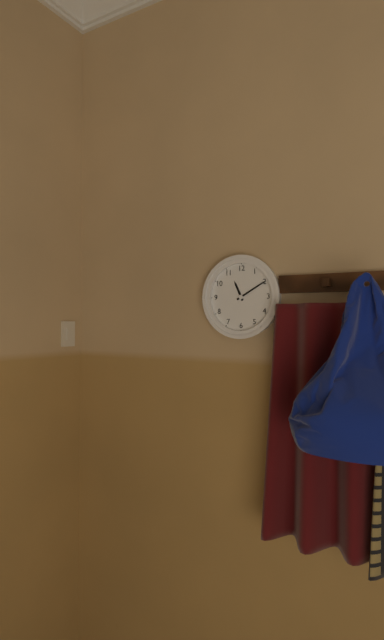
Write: 11,10
